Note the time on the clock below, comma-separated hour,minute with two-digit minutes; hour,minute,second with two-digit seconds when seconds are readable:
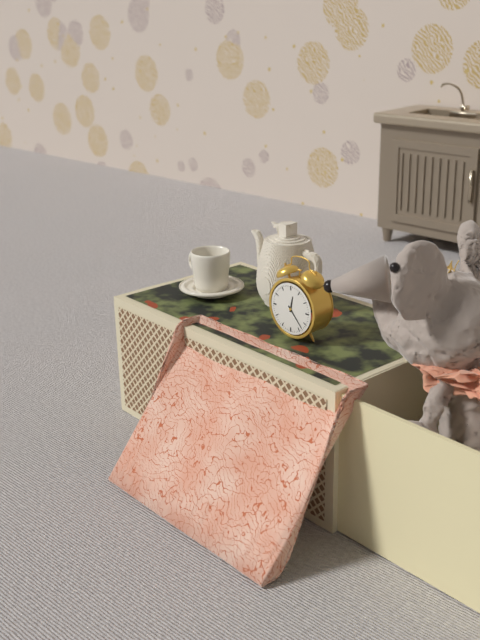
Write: 12,23
